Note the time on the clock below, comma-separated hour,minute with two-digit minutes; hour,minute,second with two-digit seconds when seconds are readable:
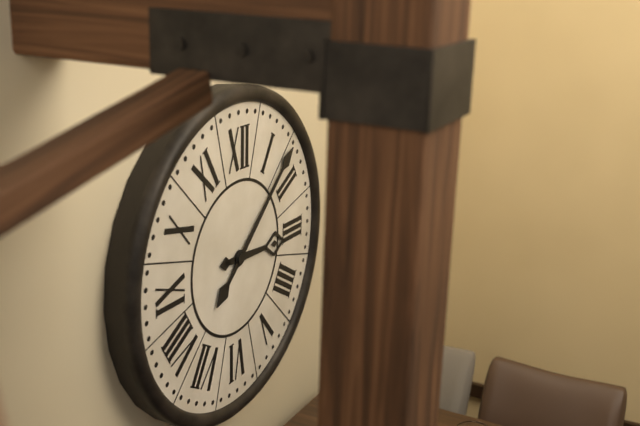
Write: 3,08
